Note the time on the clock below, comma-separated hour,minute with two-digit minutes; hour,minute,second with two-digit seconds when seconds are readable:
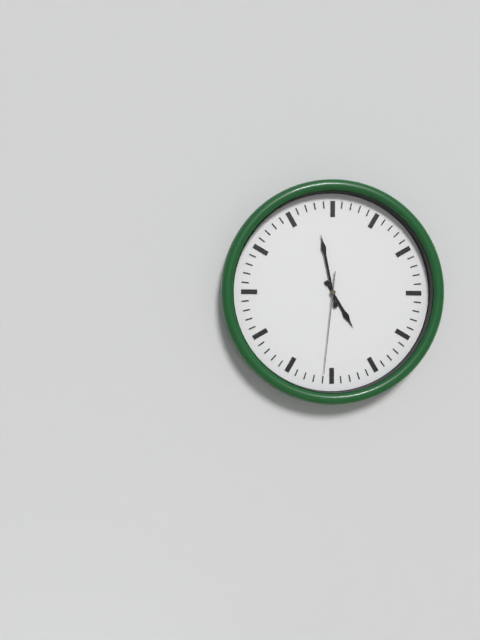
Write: 4,58,31
